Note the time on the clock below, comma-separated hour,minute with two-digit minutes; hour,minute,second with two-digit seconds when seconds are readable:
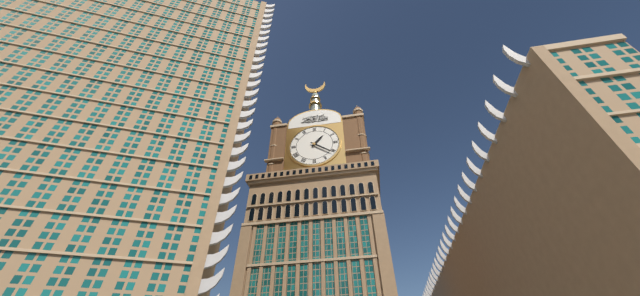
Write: 1,21
